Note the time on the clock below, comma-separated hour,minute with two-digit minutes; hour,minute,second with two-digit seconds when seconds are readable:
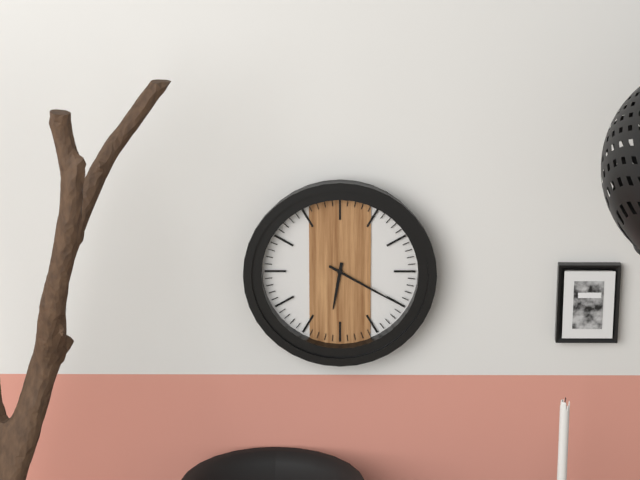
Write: 6,20
